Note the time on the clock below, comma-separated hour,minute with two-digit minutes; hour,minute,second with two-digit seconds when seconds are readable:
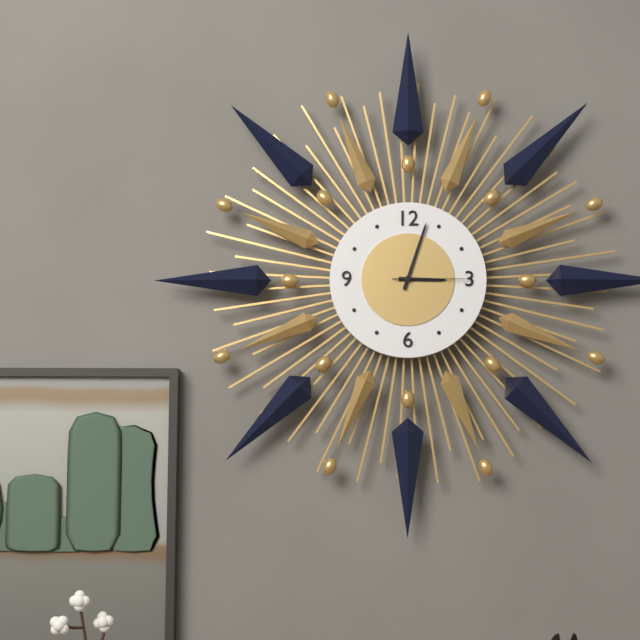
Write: 3,03,15
